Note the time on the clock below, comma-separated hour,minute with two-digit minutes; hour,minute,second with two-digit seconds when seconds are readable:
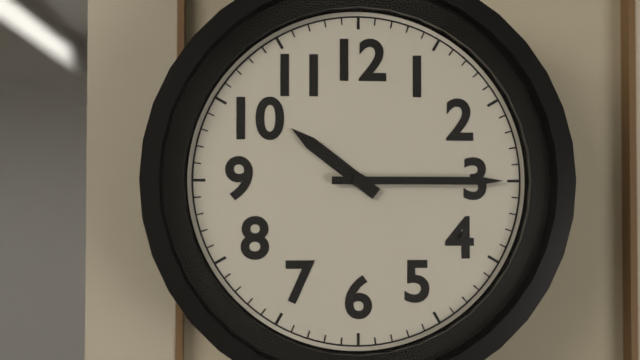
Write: 10,15
